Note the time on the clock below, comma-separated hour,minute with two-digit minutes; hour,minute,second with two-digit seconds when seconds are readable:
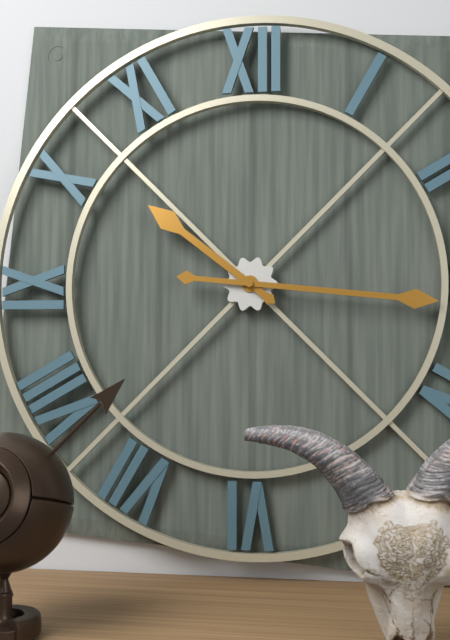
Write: 10,16
